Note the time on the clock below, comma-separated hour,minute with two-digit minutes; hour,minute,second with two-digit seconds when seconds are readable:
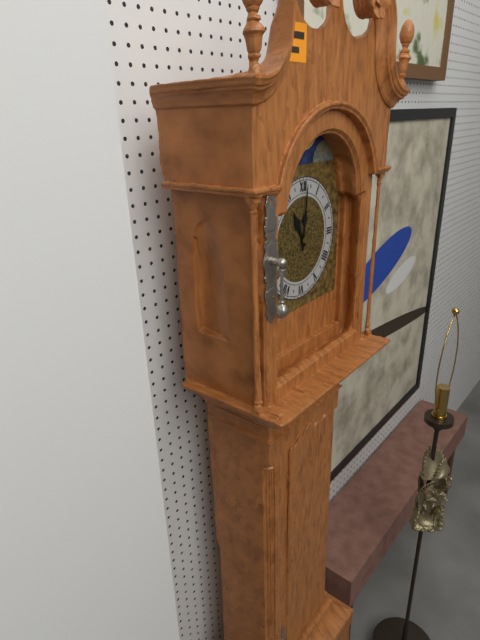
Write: 11,01
